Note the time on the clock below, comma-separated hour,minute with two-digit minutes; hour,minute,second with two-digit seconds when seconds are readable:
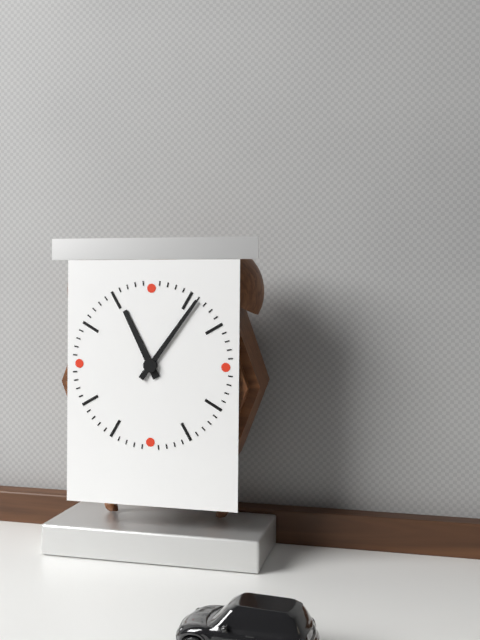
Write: 11,06
